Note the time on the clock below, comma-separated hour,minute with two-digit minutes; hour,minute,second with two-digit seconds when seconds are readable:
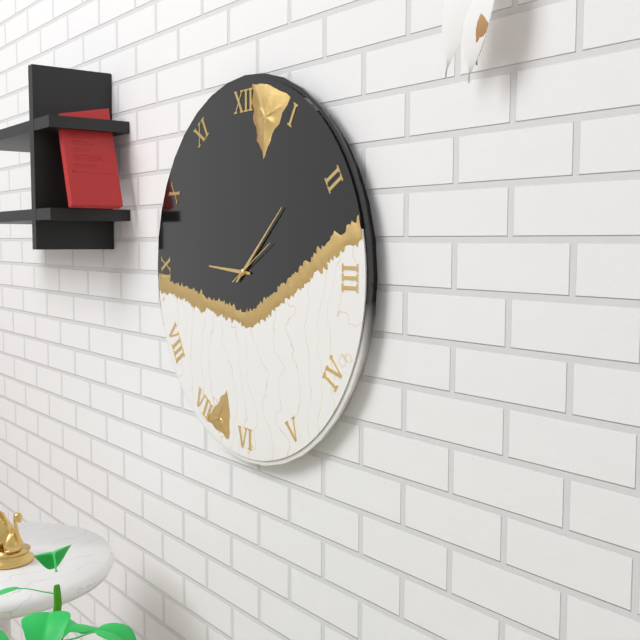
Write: 9,08
